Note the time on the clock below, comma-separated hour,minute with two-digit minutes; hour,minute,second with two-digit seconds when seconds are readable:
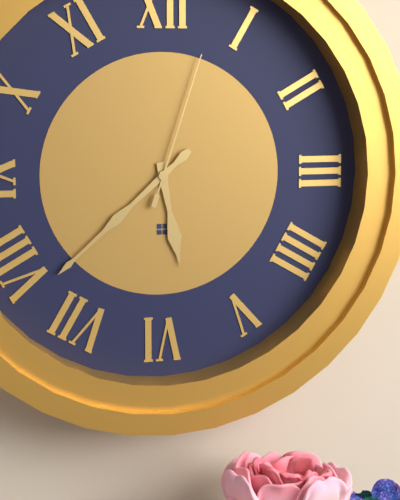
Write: 5,38,03
